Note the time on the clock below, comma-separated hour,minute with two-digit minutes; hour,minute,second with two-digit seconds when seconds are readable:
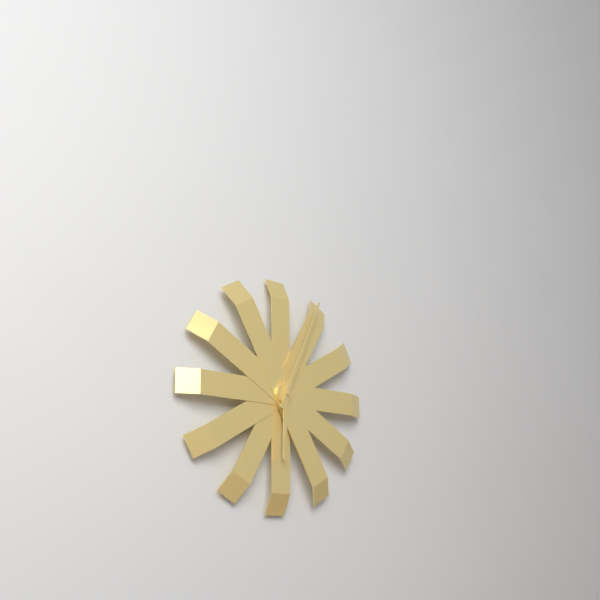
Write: 6,04
